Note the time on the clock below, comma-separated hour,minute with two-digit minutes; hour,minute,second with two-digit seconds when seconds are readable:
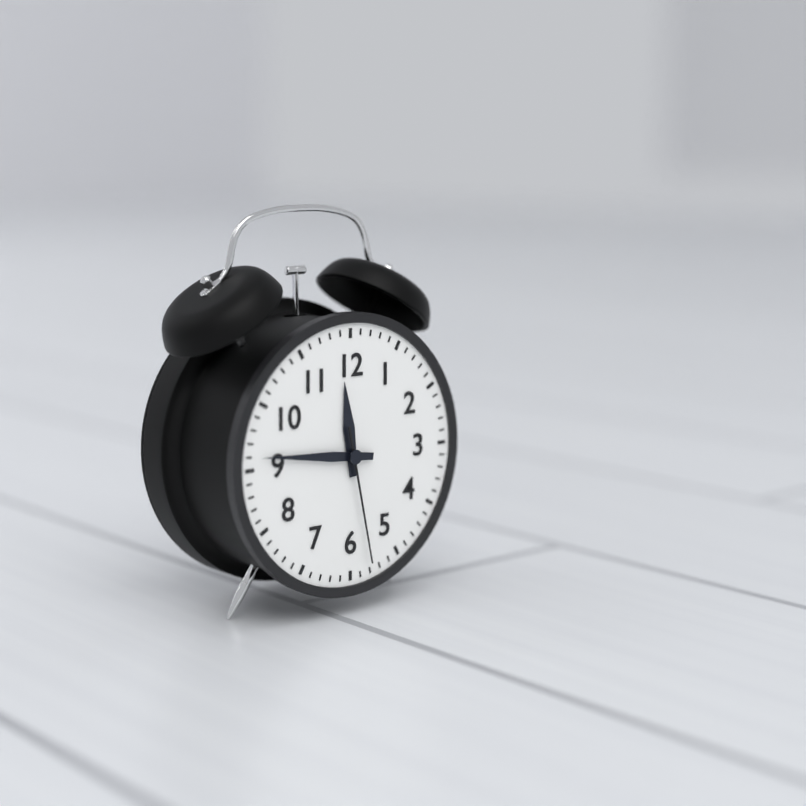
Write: 11,46,28
